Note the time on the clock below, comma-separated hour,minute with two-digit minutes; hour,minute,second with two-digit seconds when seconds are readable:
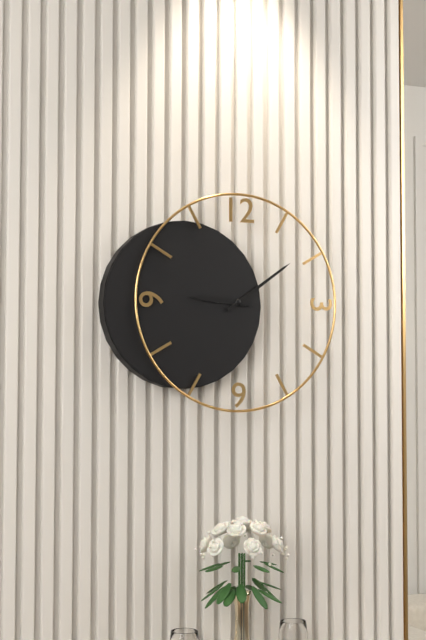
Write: 9,09
